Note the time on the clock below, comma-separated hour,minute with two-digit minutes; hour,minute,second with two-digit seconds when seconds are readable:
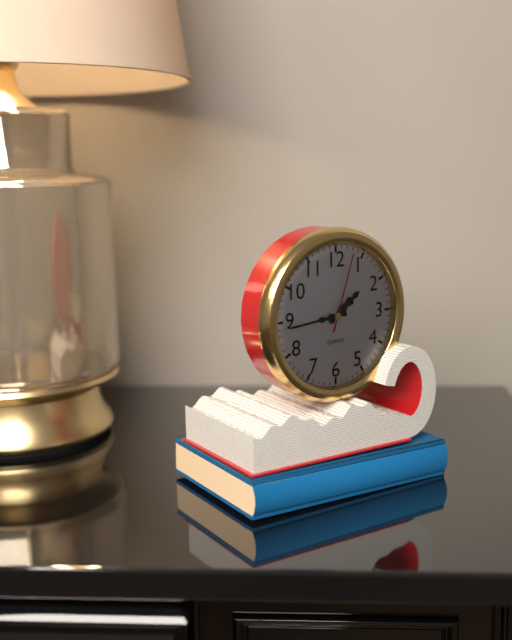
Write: 1,44,03
